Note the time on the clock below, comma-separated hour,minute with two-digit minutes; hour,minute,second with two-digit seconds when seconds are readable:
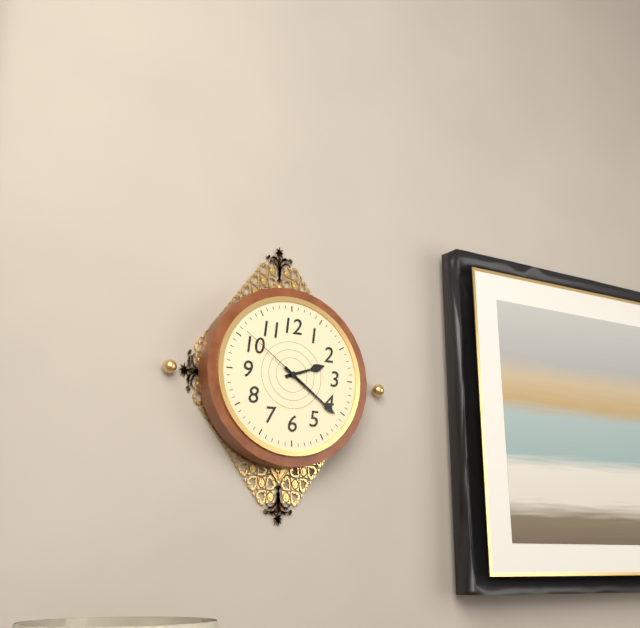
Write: 2,21,51
